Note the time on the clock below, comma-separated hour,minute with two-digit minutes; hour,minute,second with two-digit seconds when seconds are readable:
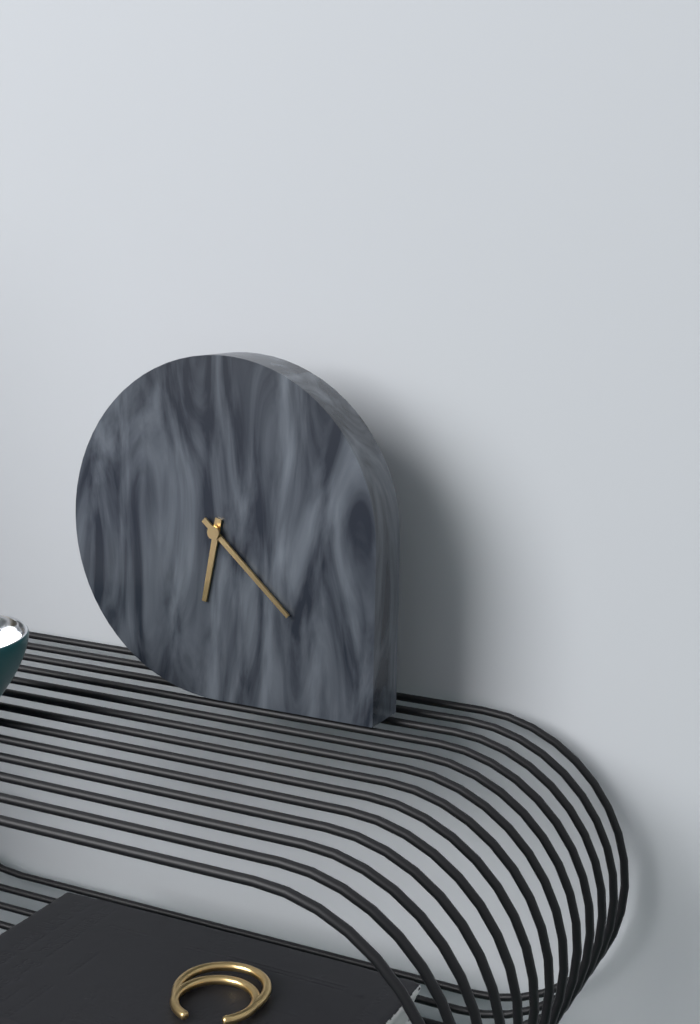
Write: 6,22
